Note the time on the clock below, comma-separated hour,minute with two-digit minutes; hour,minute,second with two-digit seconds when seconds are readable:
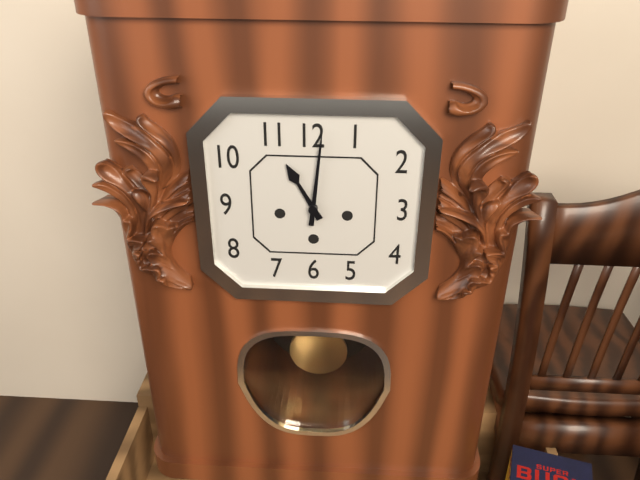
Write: 11,01
